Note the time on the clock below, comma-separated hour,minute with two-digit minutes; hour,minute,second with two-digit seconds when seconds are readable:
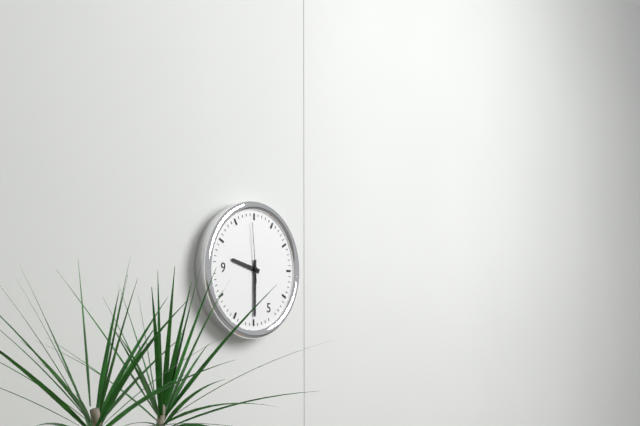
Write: 9,30,59
